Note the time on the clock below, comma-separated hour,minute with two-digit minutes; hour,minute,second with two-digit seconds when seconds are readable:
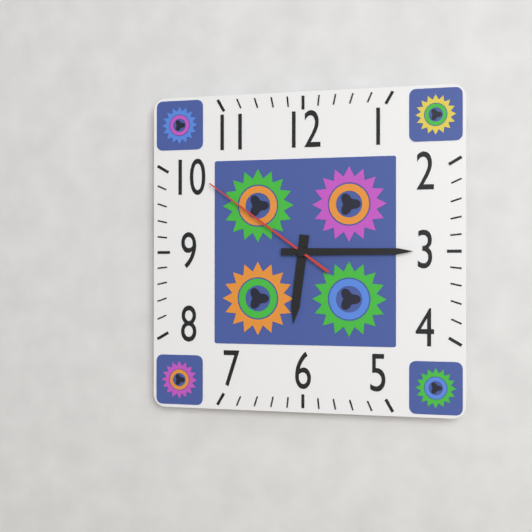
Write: 6,15,51
